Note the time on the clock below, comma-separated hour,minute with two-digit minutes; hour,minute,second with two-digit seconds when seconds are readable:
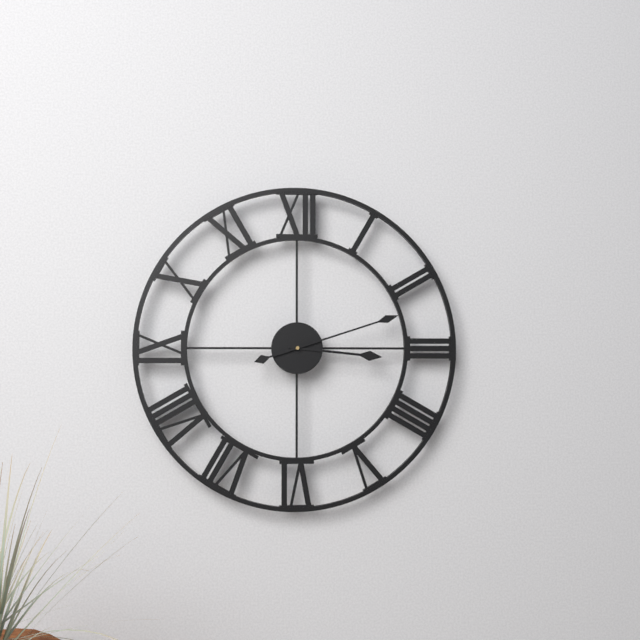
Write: 3,12
